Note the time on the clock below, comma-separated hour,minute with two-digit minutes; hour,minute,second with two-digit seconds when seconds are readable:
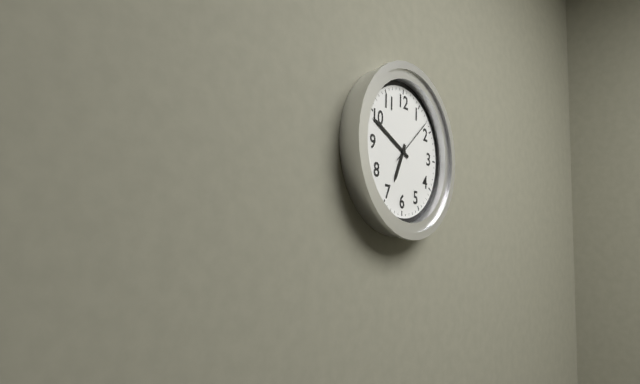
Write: 6,49
